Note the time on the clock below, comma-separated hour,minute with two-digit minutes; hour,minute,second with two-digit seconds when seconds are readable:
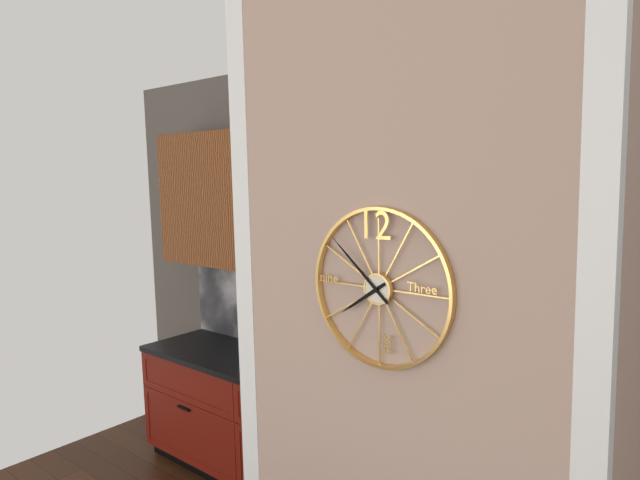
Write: 7,52
